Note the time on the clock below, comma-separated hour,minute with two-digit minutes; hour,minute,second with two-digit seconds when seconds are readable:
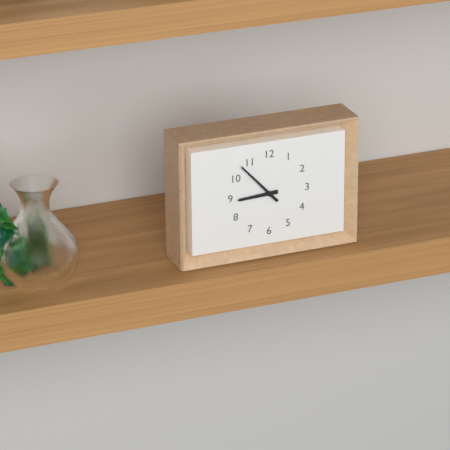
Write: 8,53
